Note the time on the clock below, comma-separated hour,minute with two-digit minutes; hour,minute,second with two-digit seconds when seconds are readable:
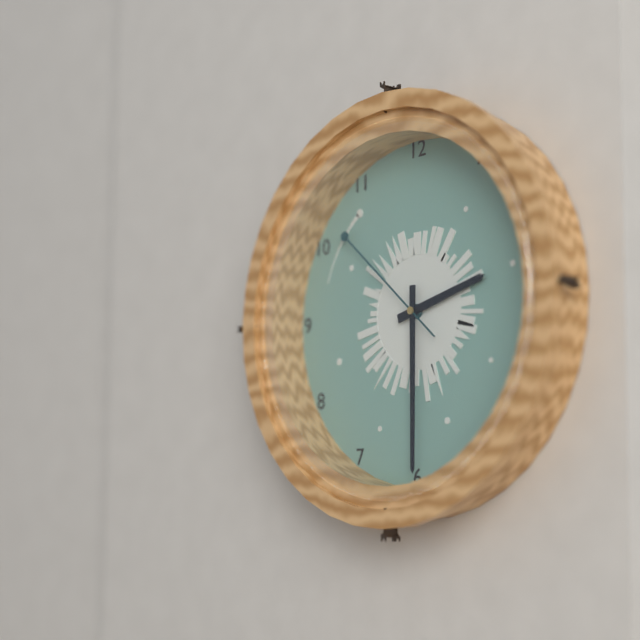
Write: 2,30,52
